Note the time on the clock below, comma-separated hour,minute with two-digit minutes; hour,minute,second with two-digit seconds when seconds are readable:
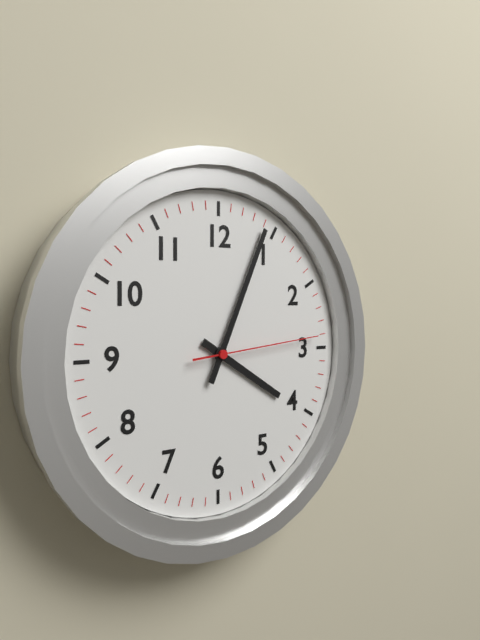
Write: 4,04,14
